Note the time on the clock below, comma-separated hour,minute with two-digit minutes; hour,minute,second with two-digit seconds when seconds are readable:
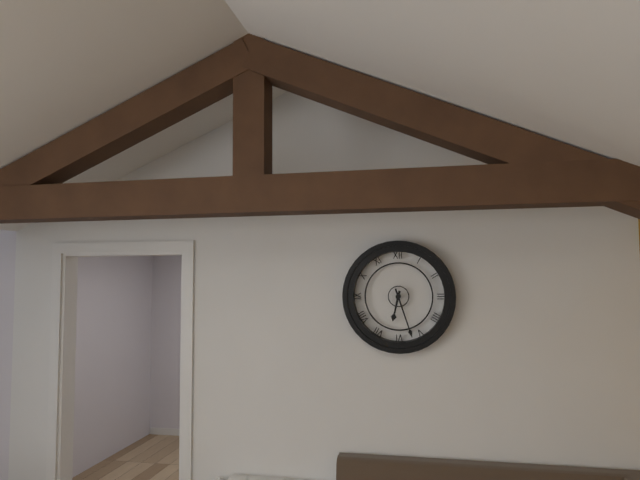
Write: 6,27
